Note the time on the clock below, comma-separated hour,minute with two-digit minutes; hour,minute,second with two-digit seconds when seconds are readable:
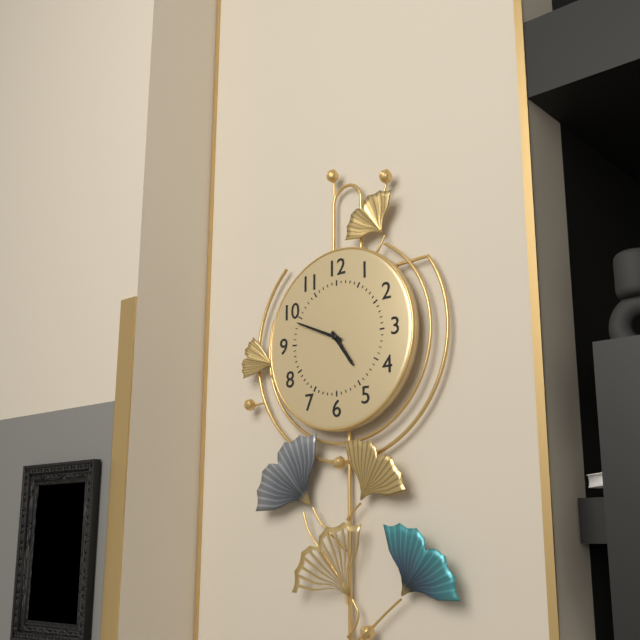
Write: 4,49
